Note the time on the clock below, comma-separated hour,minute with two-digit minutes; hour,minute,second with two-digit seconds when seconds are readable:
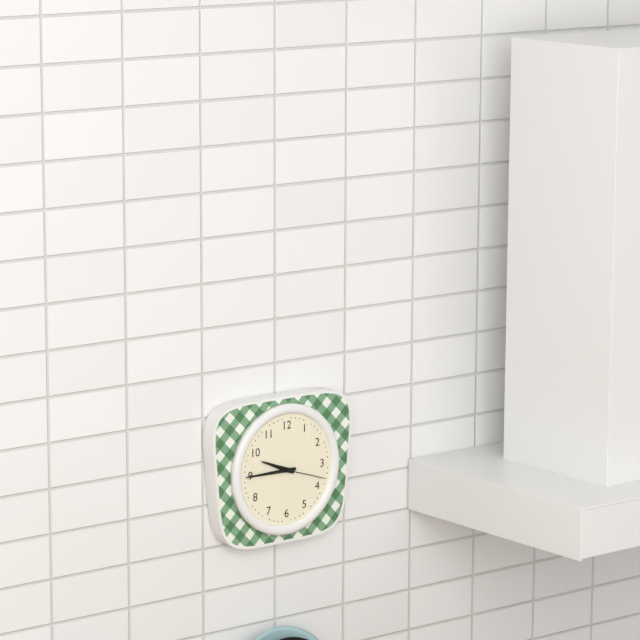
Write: 9,45,18
